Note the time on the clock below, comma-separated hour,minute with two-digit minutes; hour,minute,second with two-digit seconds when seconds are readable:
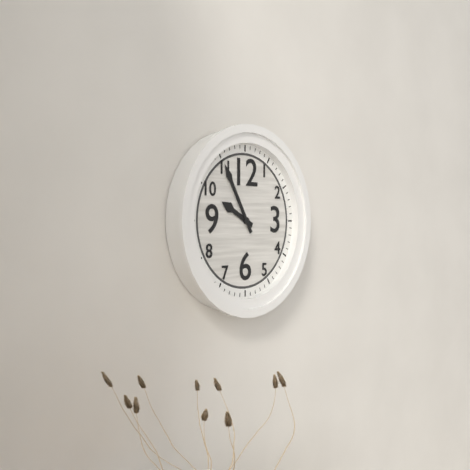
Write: 9,55
